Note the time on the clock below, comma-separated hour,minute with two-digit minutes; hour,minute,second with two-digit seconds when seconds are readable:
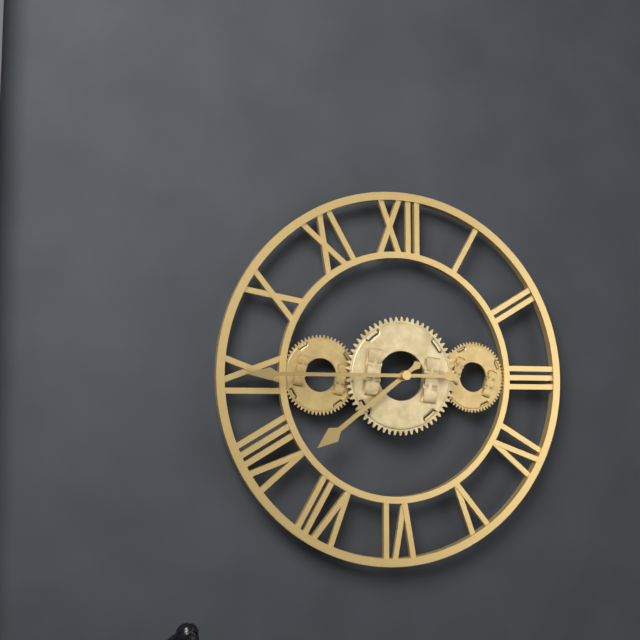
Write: 7,45
